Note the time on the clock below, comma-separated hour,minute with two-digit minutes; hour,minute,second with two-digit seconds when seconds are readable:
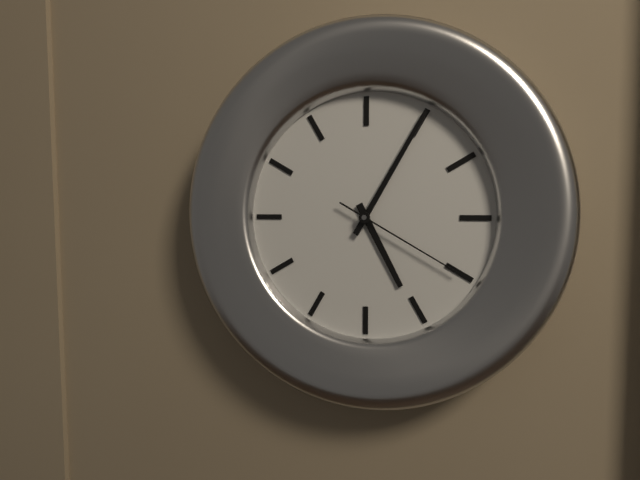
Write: 5,05,20
